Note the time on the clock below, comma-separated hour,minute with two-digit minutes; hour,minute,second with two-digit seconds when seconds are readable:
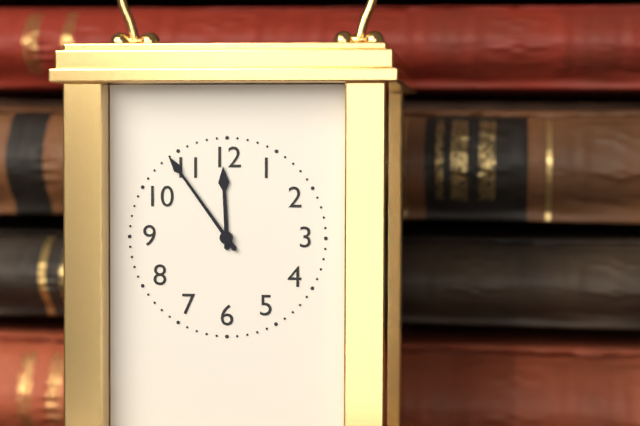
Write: 11,54
